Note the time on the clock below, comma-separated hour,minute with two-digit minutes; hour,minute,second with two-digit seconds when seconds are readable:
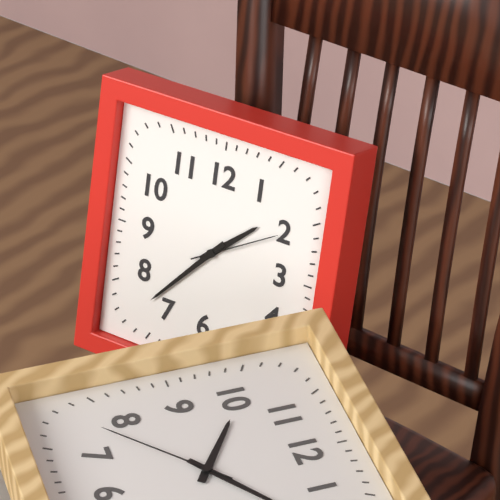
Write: 1,37,10
